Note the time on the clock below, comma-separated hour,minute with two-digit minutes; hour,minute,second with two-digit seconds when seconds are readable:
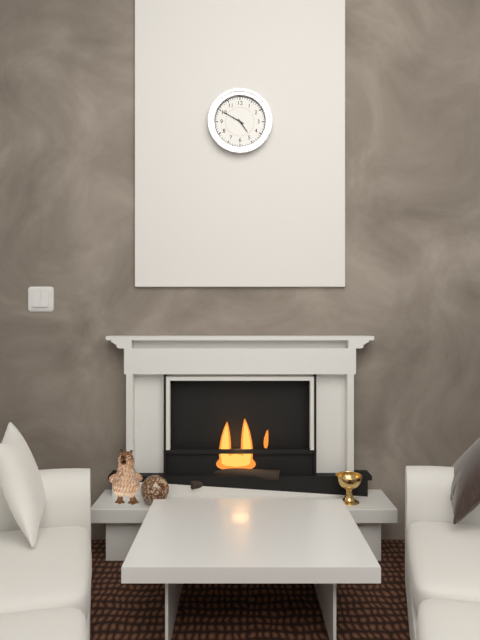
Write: 4,50
